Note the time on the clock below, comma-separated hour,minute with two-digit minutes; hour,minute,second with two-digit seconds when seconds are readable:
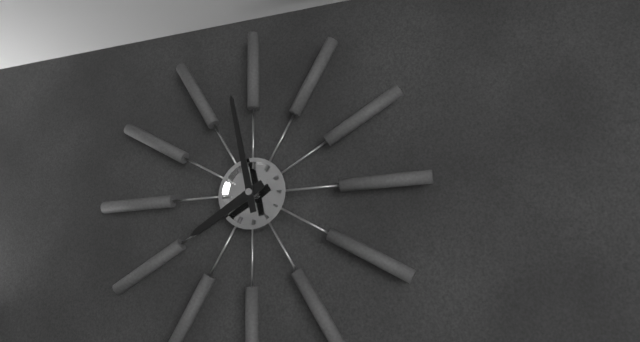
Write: 7,58
